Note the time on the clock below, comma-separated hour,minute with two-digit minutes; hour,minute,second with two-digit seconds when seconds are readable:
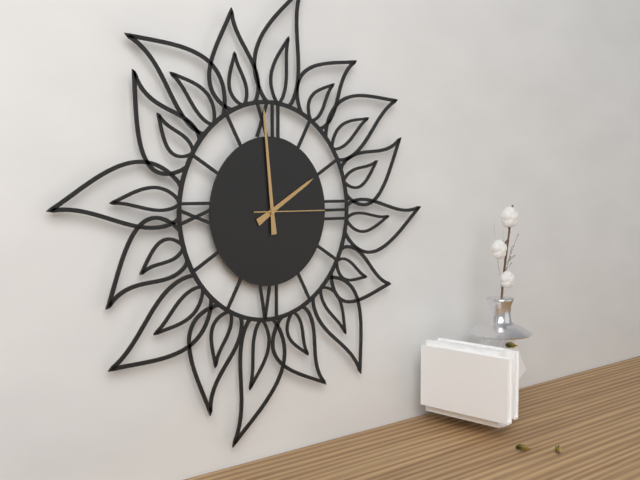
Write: 1,59,15
